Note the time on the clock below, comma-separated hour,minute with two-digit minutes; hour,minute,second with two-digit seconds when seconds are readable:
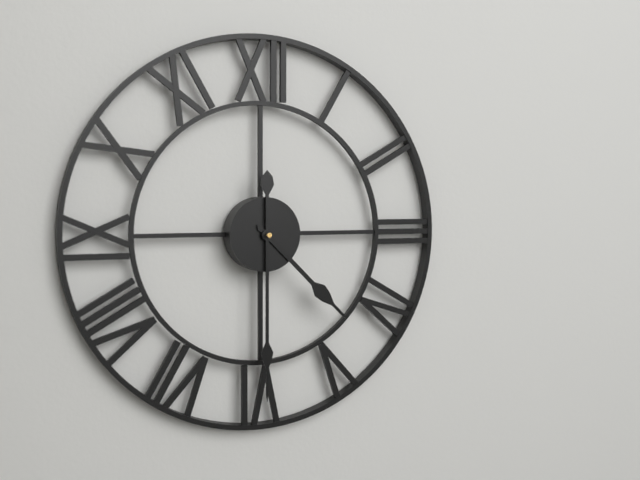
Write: 4,30
